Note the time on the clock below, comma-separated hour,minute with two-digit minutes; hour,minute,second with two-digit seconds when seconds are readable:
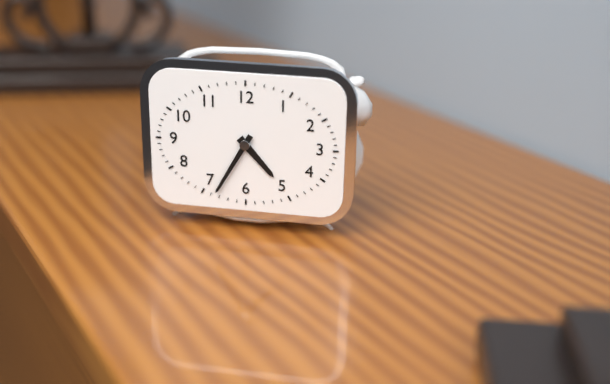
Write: 4,35
